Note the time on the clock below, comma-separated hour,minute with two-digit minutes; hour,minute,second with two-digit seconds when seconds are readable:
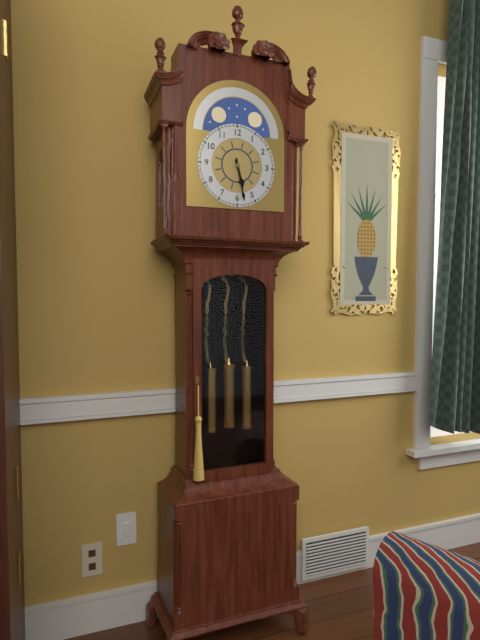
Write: 5,28
